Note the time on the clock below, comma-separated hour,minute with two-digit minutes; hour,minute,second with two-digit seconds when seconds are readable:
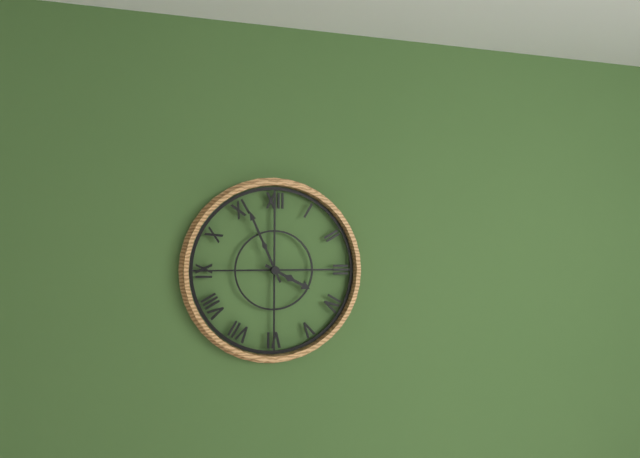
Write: 3,56
